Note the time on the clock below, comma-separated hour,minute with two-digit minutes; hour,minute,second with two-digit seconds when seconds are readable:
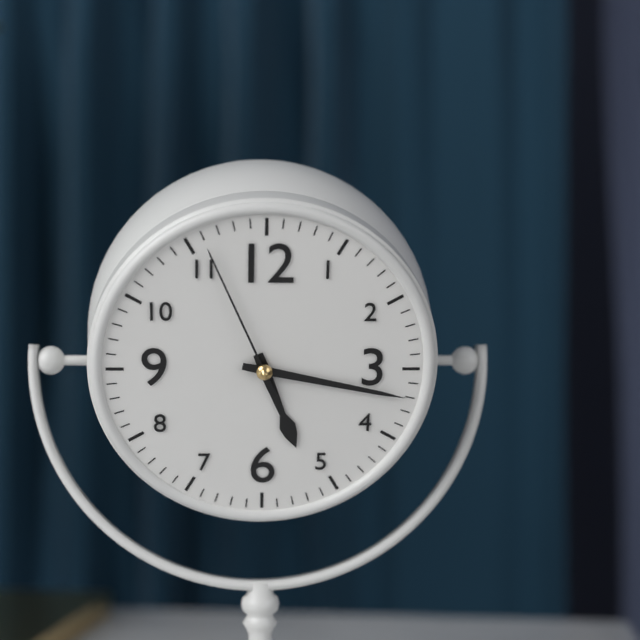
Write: 5,17,56
